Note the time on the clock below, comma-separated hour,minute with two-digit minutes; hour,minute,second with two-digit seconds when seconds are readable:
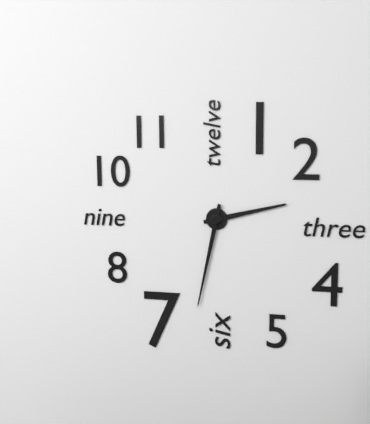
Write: 2,32
